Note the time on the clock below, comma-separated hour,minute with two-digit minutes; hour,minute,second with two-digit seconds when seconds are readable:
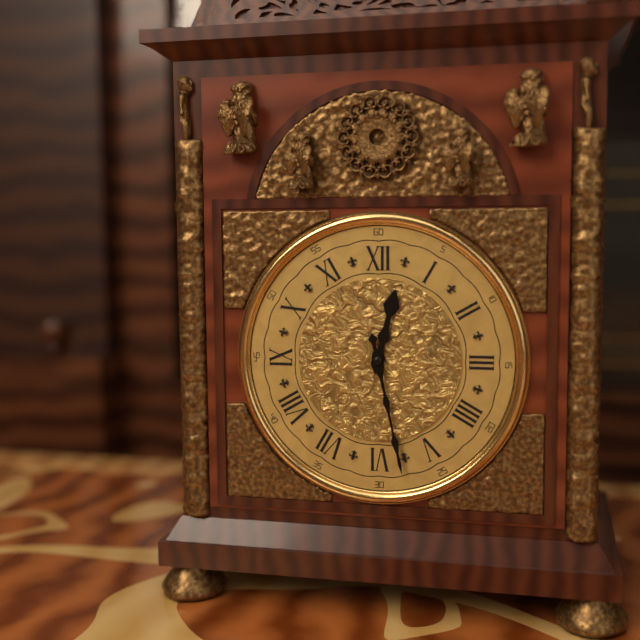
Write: 12,28
